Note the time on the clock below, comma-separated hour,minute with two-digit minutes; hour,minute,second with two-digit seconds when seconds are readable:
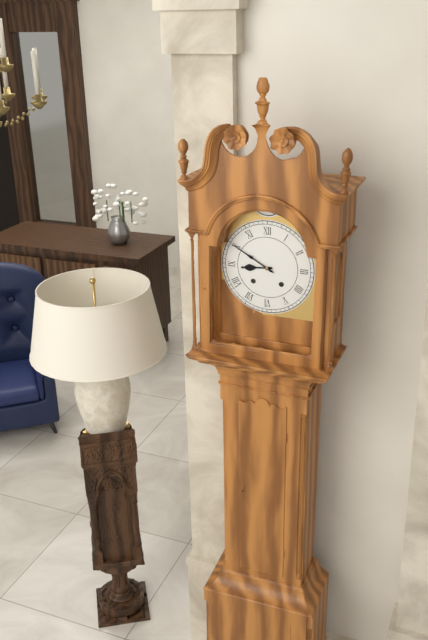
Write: 8,50
